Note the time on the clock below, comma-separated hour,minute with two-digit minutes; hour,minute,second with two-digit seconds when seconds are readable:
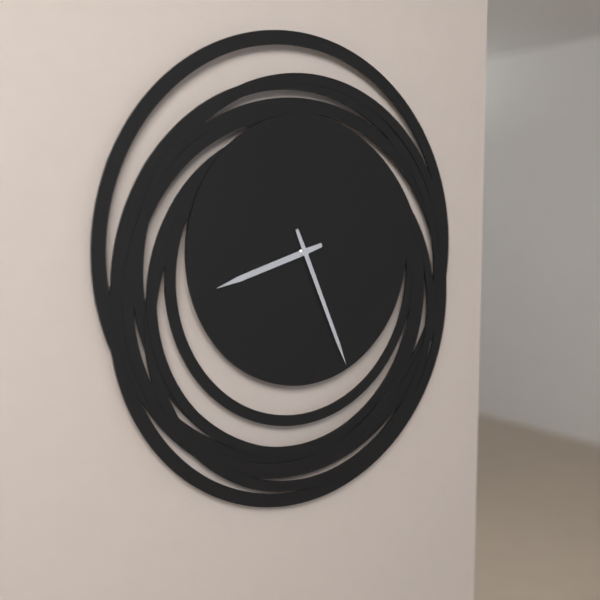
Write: 8,26
